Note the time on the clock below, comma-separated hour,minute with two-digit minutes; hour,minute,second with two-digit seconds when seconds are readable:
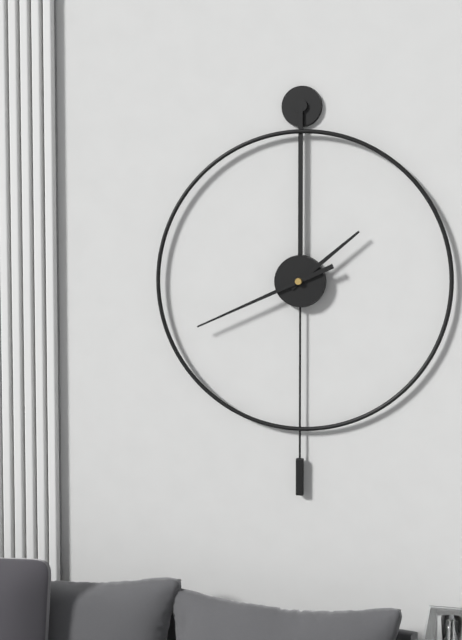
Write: 1,41
